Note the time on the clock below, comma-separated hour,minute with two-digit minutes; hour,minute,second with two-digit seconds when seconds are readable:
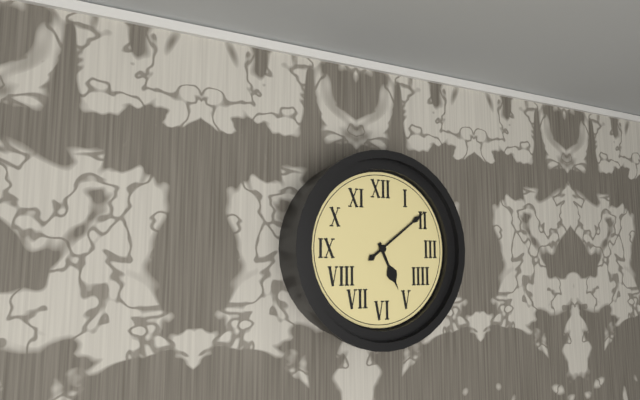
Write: 5,09
